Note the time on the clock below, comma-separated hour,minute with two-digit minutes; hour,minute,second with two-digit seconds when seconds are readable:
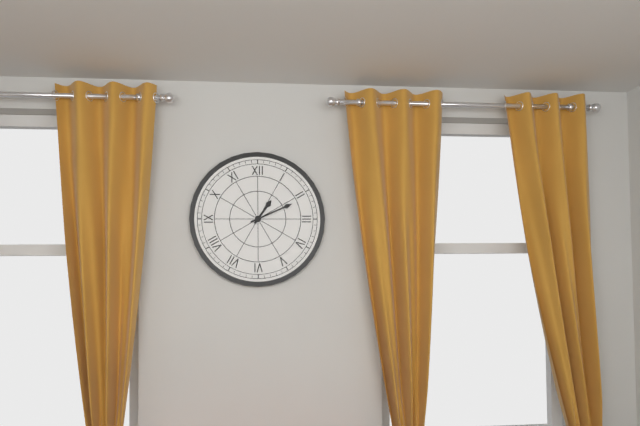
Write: 1,11
